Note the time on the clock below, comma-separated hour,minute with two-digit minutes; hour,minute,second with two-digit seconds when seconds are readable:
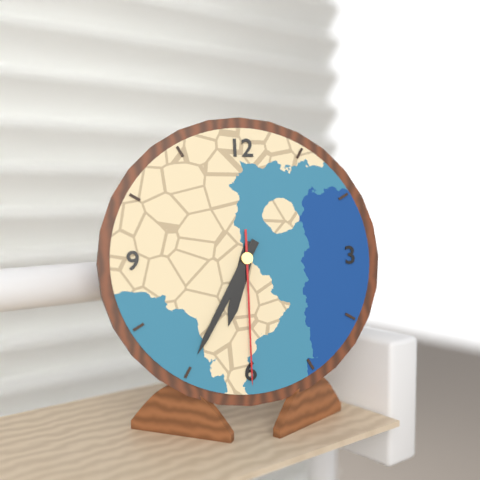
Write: 6,35,30
